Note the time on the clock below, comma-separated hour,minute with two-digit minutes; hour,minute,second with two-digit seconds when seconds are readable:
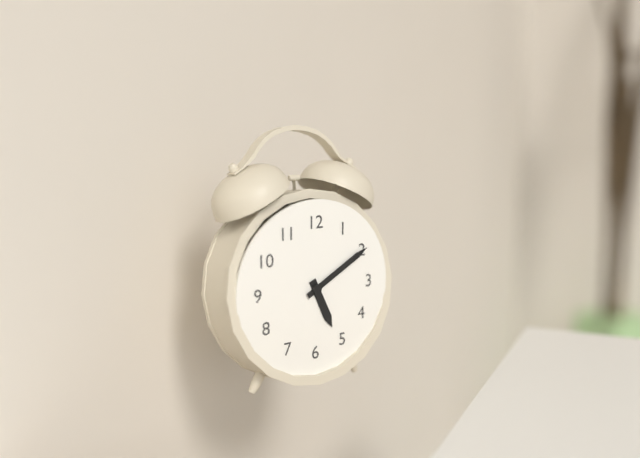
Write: 5,10
